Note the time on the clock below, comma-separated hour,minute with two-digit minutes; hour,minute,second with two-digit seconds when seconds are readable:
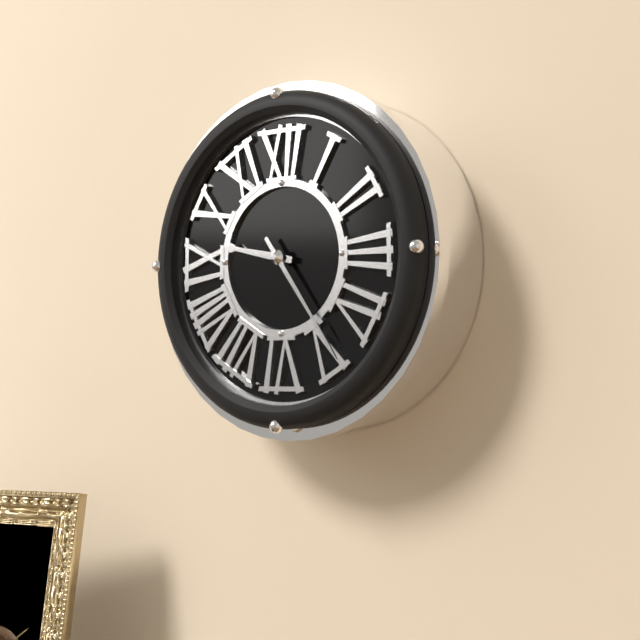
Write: 9,24
